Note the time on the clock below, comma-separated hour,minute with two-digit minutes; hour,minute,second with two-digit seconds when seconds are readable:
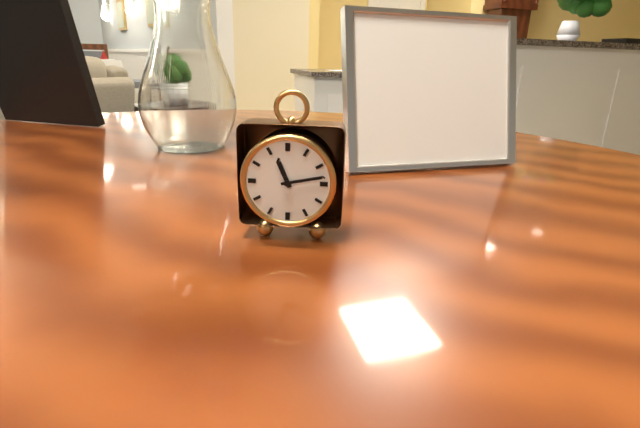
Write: 11,13
